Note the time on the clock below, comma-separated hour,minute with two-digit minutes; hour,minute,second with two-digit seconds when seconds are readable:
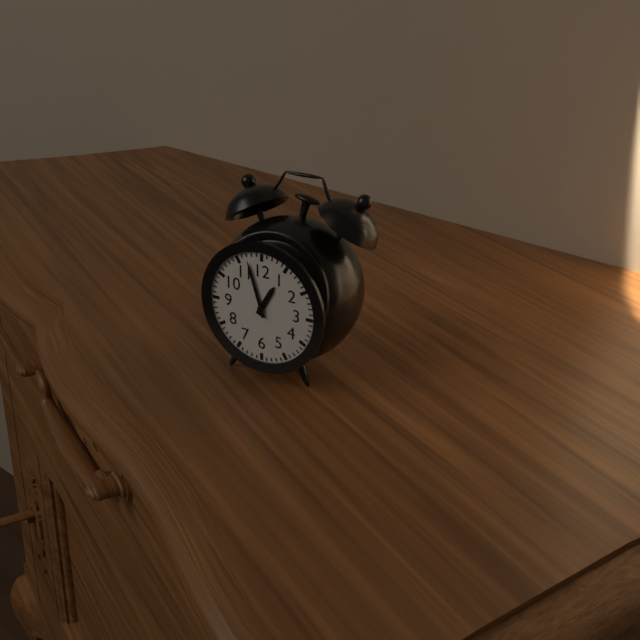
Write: 12,57
